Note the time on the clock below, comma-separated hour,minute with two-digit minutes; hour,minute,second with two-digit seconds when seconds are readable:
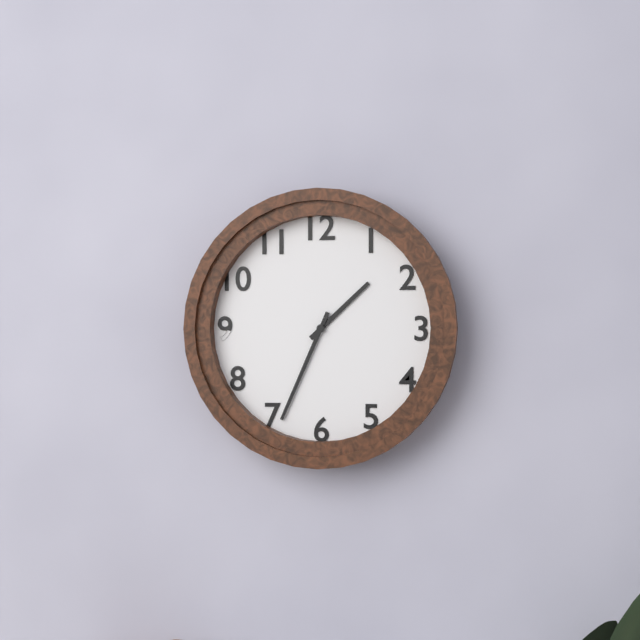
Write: 1,34
